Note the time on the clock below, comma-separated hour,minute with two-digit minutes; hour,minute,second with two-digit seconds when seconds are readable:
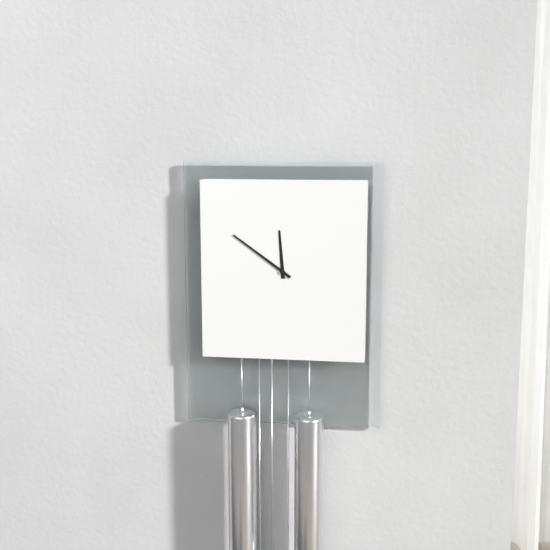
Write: 11,51
